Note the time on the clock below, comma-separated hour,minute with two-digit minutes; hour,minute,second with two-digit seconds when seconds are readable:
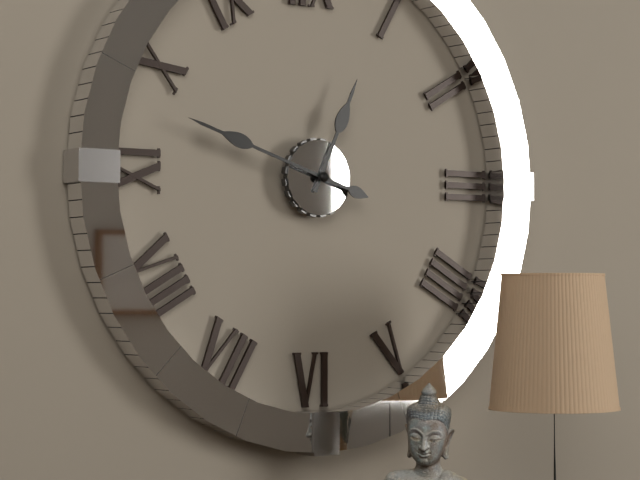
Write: 12,48
